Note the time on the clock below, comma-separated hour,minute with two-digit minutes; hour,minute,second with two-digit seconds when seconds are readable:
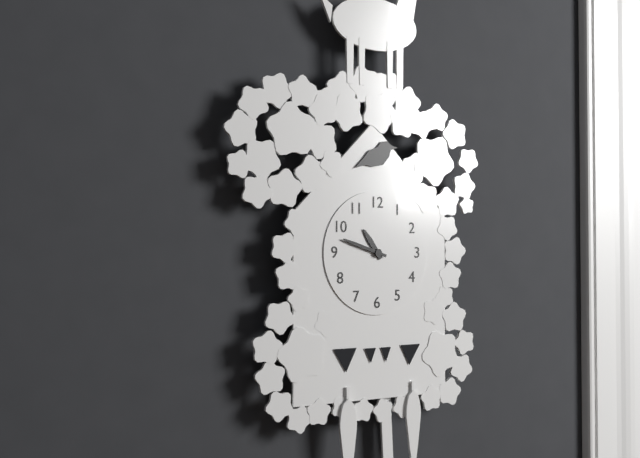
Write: 10,48
